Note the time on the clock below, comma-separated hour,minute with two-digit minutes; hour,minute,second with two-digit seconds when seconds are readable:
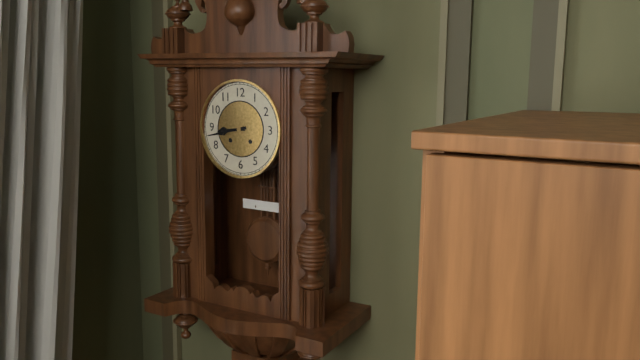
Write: 8,43
